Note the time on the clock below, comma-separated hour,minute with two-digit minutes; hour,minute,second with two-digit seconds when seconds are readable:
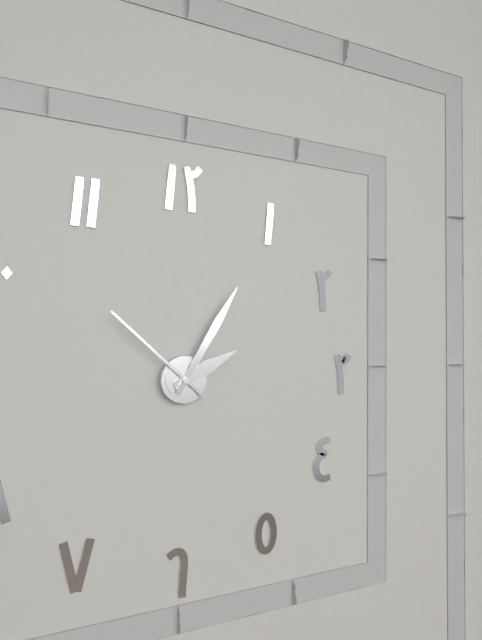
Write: 2,05,52
